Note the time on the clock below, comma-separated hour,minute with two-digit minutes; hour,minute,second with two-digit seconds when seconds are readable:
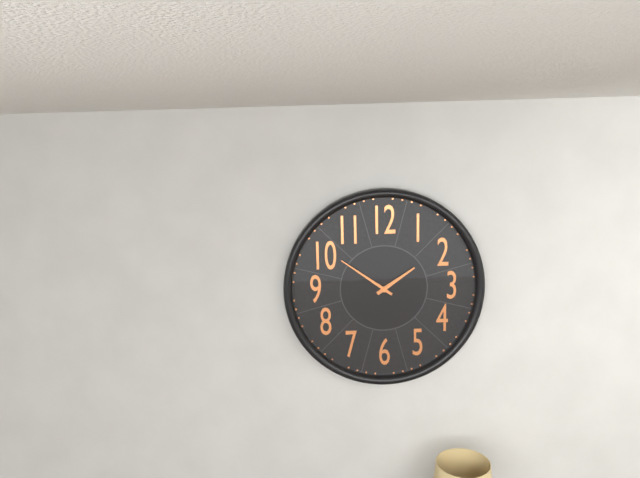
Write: 1,51
